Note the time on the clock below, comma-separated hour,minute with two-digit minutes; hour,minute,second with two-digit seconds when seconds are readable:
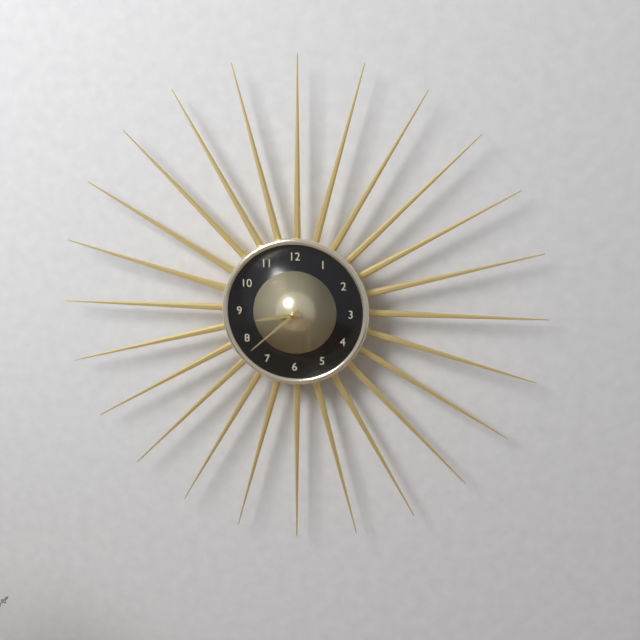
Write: 8,38
